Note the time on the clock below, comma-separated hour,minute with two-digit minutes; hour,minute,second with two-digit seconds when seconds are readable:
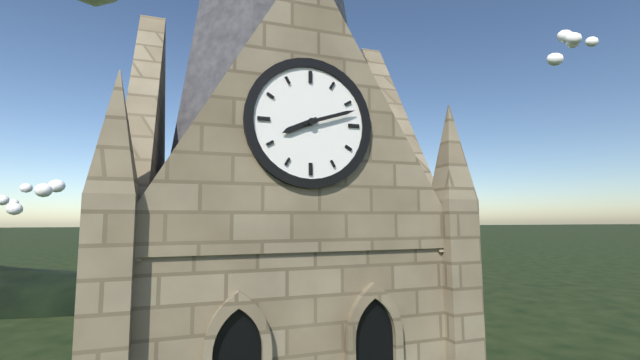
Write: 8,12
